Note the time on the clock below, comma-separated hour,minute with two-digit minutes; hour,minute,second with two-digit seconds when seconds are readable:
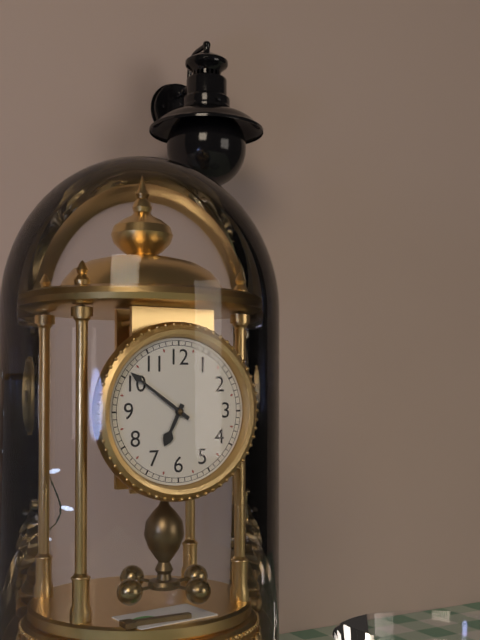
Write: 6,51
